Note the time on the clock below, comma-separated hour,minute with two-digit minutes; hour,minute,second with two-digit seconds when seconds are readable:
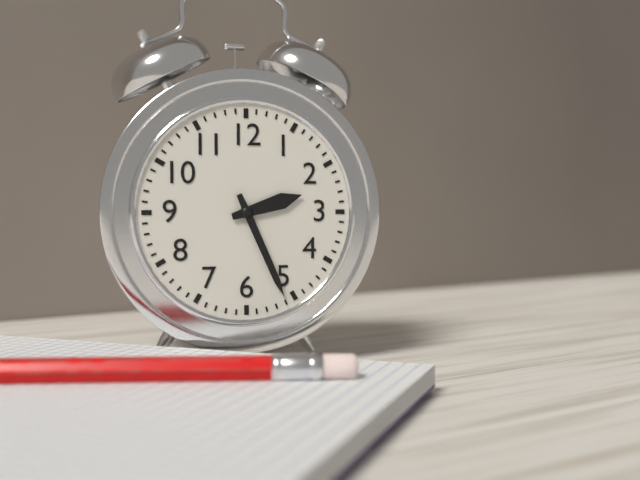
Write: 2,26
